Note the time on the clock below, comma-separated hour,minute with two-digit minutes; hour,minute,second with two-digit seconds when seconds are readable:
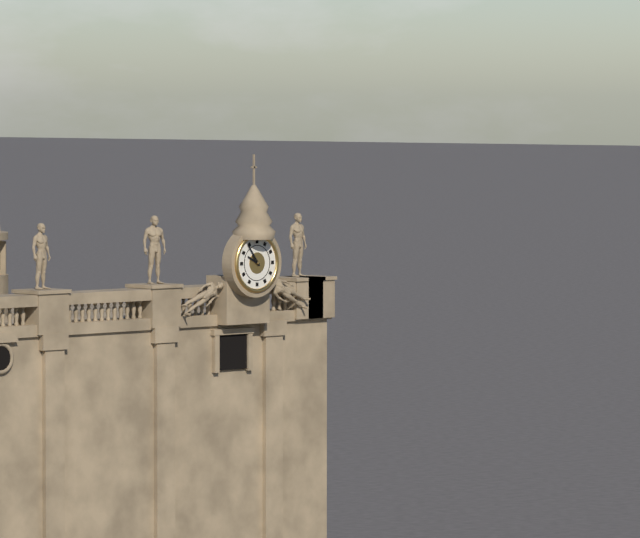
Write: 9,54
